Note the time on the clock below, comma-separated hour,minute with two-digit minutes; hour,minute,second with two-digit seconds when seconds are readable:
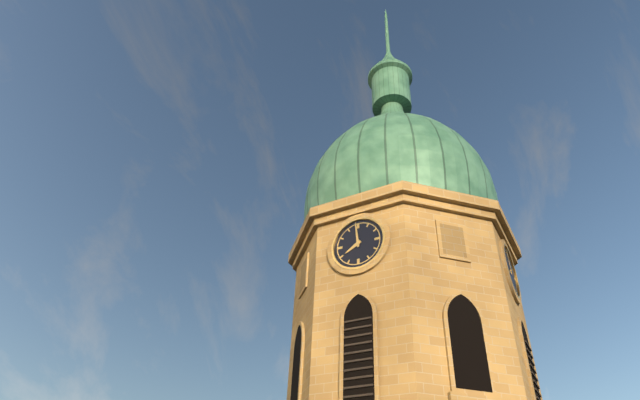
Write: 7,59
